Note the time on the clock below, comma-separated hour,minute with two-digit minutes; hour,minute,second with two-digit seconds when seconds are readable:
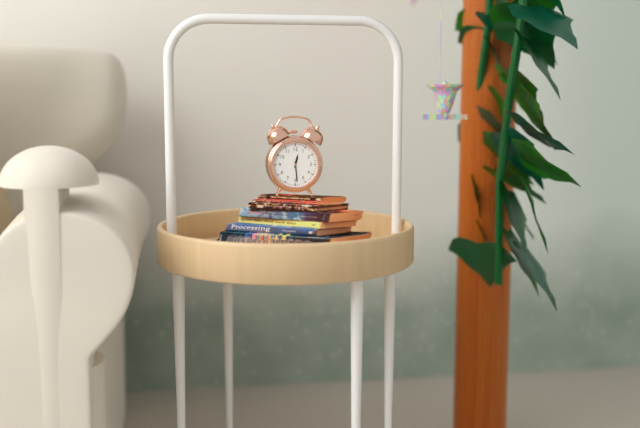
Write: 12,29
